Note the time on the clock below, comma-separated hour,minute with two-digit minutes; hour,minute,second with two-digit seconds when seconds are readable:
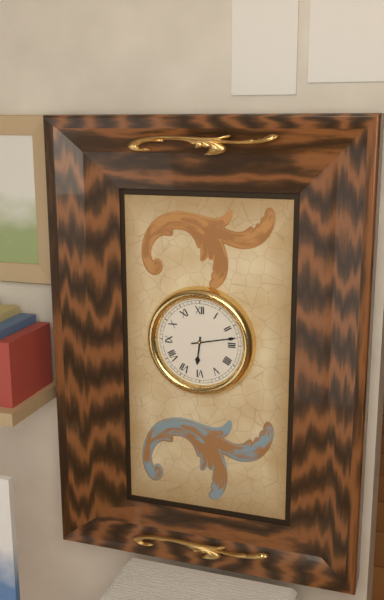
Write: 6,13
